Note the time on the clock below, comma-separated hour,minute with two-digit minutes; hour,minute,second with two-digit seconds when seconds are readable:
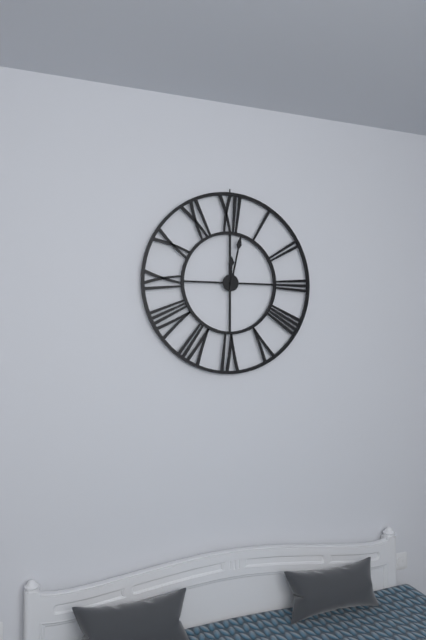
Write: 12,02
